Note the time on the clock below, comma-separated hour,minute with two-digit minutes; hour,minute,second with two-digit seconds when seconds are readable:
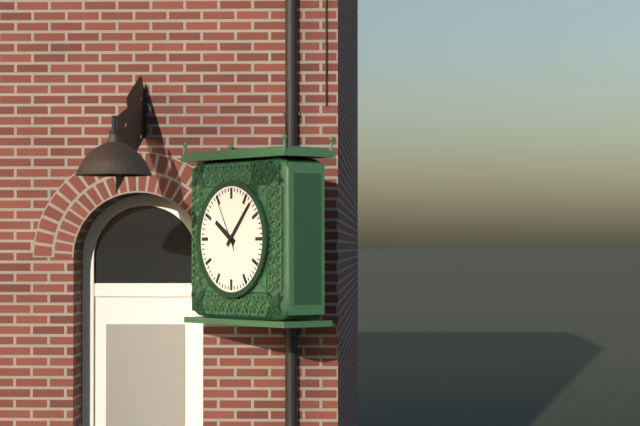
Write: 10,07,55
